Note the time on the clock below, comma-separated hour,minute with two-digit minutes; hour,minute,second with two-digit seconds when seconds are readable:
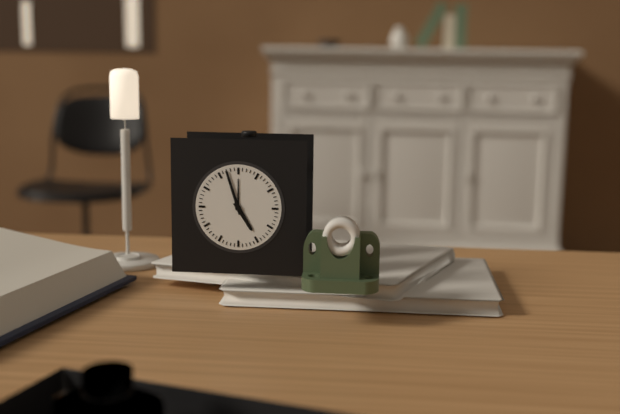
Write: 4,57
